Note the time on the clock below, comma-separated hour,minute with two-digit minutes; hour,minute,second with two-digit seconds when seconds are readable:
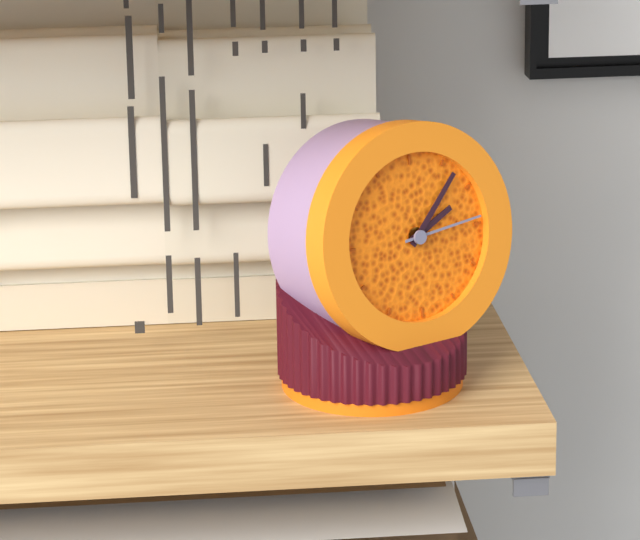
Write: 2,07,14
